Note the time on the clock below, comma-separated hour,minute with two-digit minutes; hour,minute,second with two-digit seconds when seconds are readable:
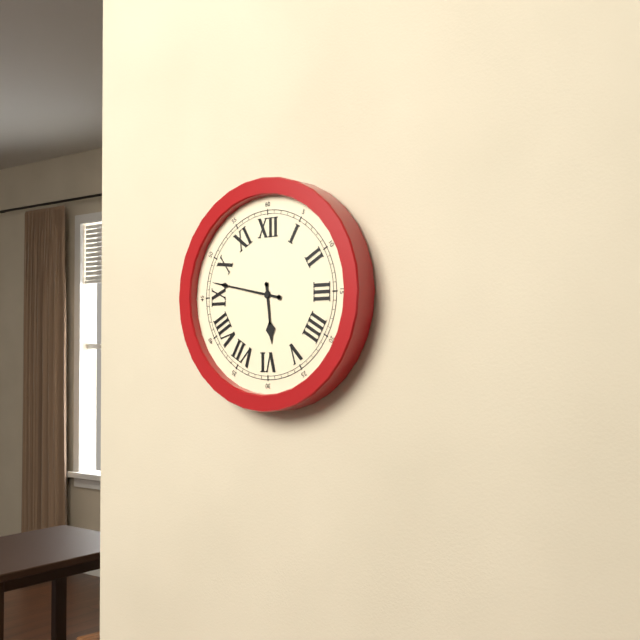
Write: 5,47
